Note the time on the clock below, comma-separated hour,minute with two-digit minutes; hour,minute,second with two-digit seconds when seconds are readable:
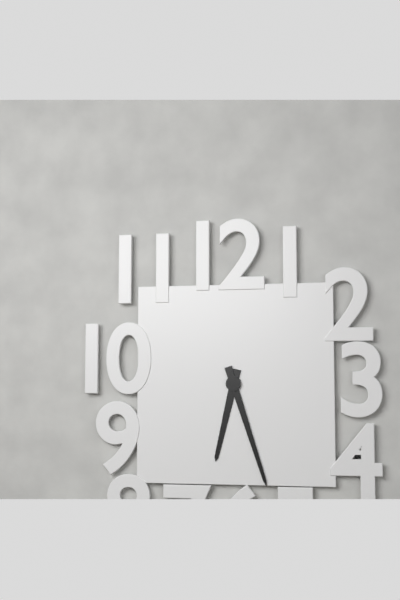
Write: 6,27
